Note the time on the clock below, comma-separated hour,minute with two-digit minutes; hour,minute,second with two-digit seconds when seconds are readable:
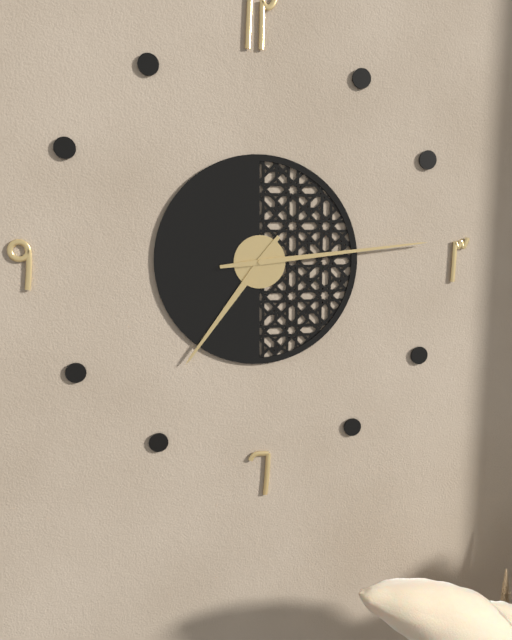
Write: 7,14
